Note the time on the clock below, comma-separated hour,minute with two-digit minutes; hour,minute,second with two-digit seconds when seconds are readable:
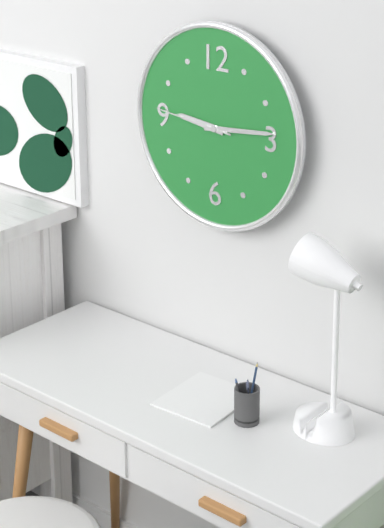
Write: 9,14,46
